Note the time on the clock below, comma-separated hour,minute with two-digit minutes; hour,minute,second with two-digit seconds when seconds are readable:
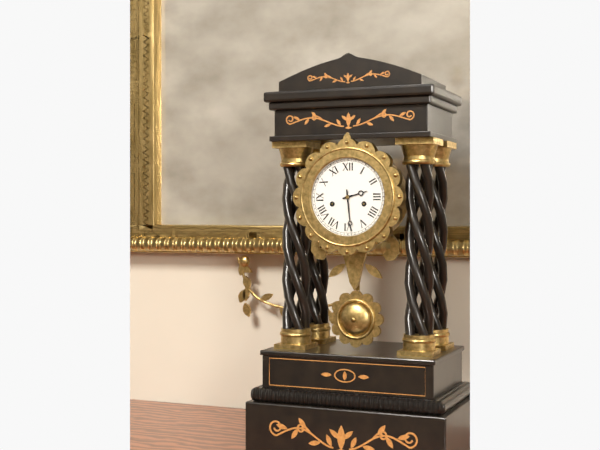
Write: 2,29
